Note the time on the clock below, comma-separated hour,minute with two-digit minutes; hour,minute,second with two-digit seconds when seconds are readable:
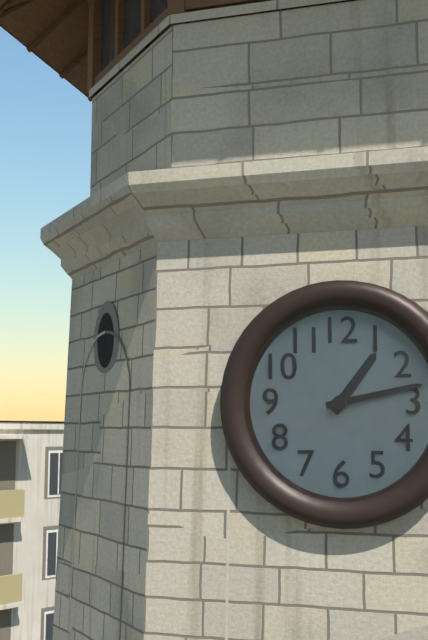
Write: 1,13
